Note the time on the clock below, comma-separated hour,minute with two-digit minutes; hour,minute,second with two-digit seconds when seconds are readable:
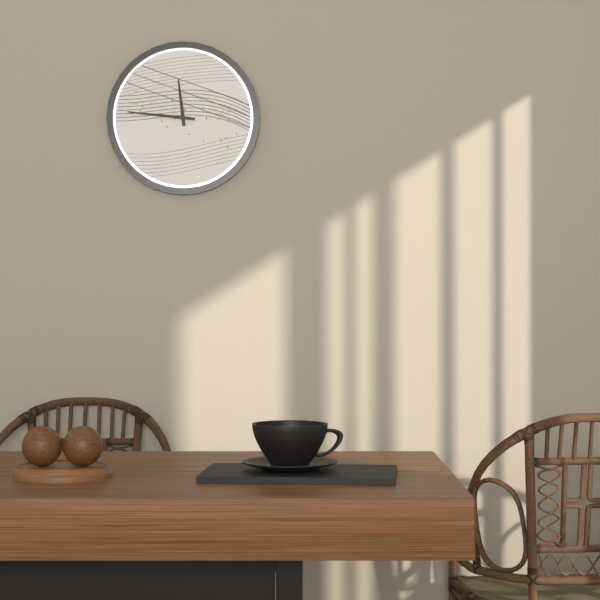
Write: 11,46
